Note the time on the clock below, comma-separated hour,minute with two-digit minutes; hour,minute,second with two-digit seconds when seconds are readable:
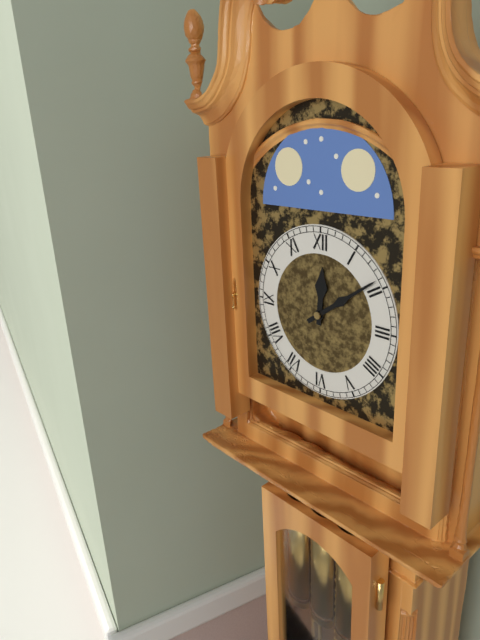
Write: 12,09
